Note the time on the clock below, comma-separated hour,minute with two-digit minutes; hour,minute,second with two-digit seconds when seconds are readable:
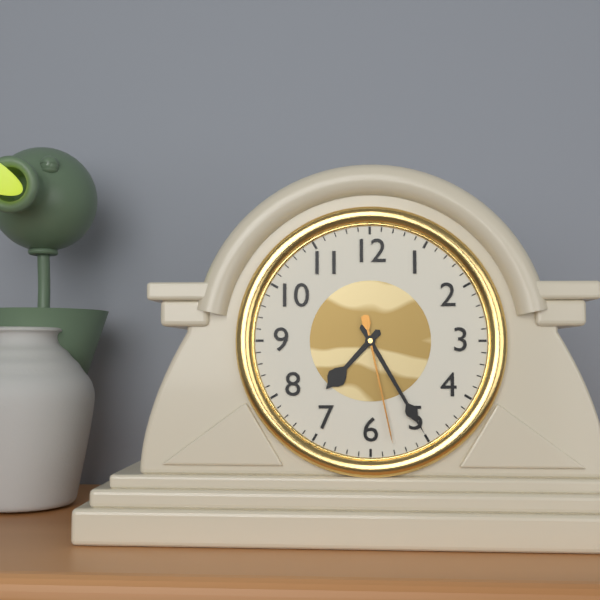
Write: 7,25,28
